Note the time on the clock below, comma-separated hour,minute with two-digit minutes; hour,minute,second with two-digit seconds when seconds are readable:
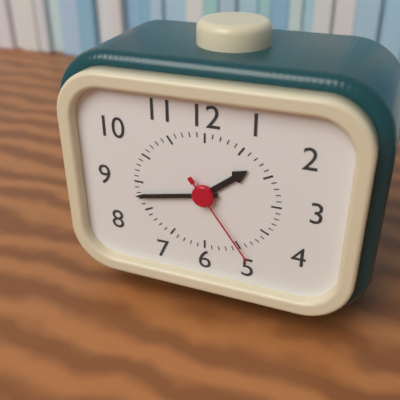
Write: 1,43,24
